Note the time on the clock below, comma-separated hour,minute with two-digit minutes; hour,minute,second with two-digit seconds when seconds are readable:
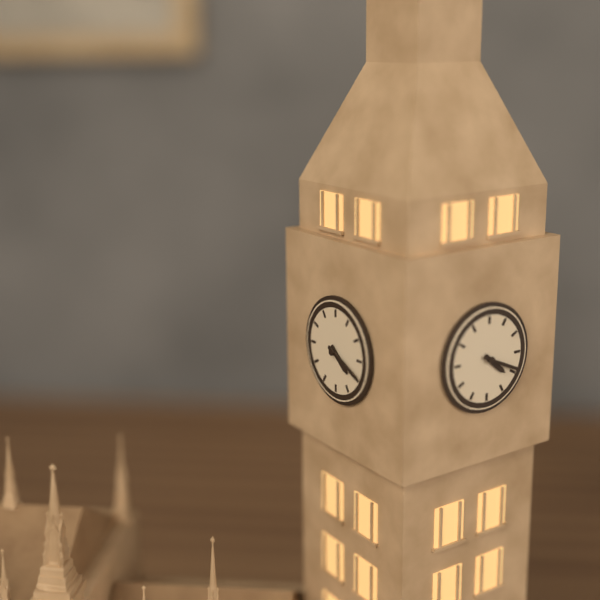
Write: 4,19
